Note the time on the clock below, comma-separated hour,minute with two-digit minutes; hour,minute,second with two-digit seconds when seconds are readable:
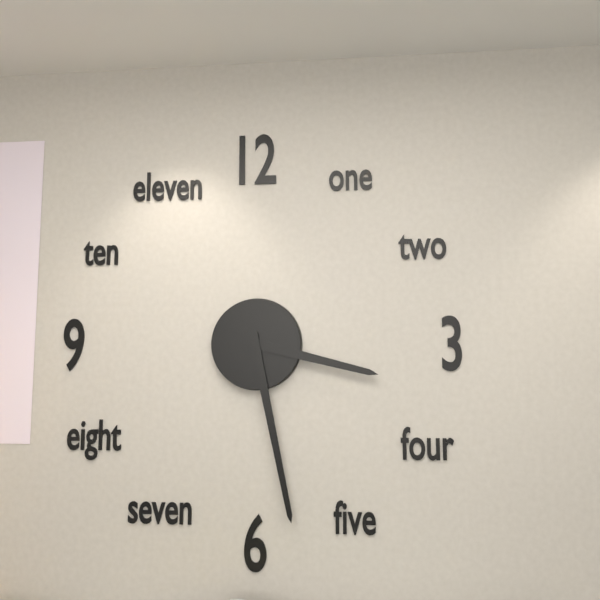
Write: 3,28
